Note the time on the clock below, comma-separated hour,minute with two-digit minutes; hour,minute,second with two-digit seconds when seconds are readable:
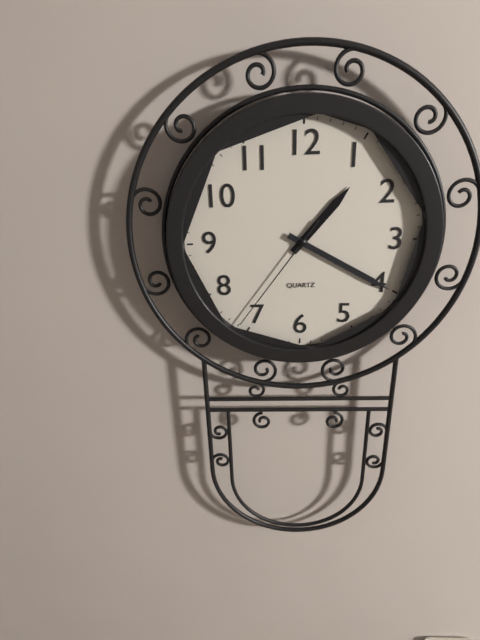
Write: 1,20,36
